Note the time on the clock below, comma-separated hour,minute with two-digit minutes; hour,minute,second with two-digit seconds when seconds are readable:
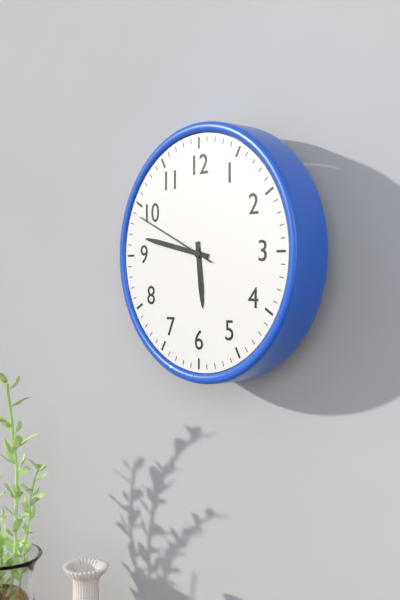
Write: 5,47,49
